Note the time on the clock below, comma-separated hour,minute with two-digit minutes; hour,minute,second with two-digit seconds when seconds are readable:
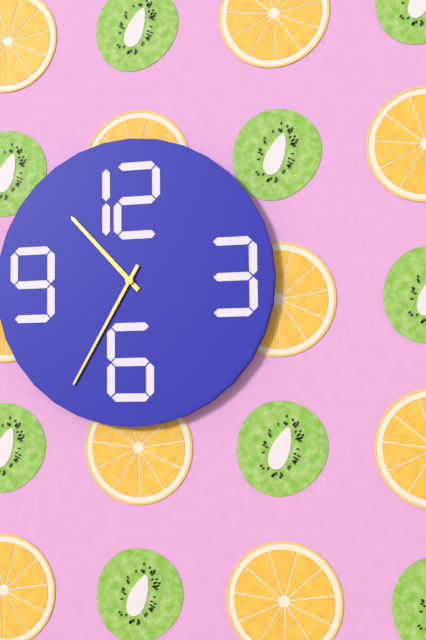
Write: 10,35
